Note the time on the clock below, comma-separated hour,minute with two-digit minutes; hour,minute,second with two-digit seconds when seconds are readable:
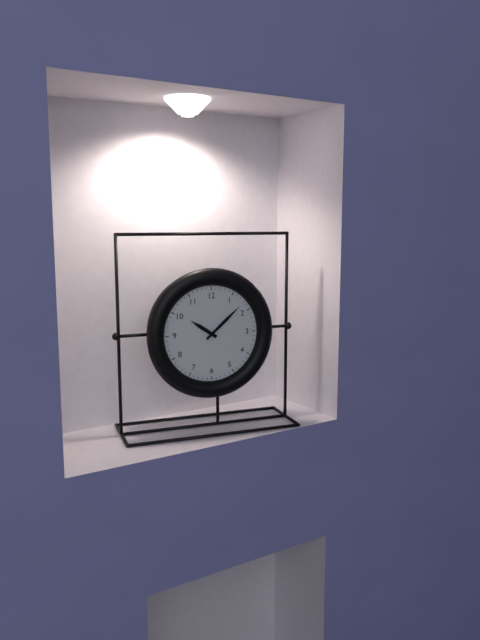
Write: 10,08
